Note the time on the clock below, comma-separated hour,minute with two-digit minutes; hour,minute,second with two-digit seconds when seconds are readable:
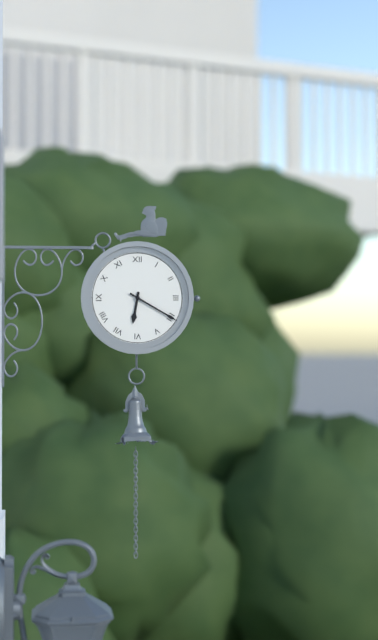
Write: 6,20
